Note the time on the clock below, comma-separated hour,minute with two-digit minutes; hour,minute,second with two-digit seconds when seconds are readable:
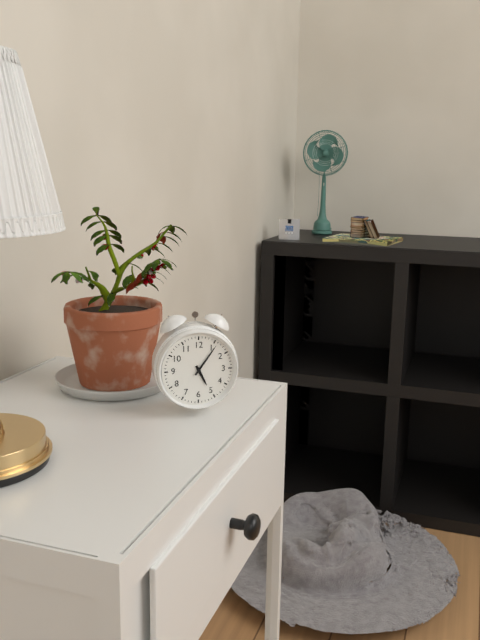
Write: 5,06
